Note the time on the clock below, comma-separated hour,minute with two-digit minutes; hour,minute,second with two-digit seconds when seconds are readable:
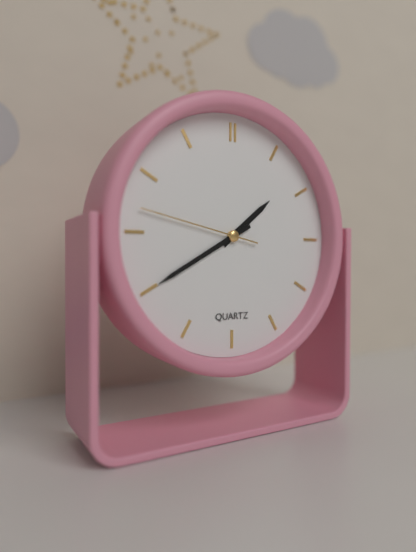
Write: 1,40,47
